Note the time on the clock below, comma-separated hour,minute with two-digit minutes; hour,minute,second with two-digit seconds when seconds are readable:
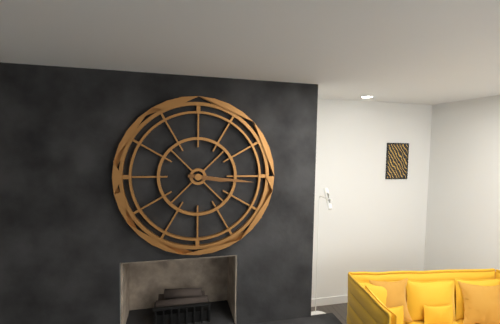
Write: 3,16
